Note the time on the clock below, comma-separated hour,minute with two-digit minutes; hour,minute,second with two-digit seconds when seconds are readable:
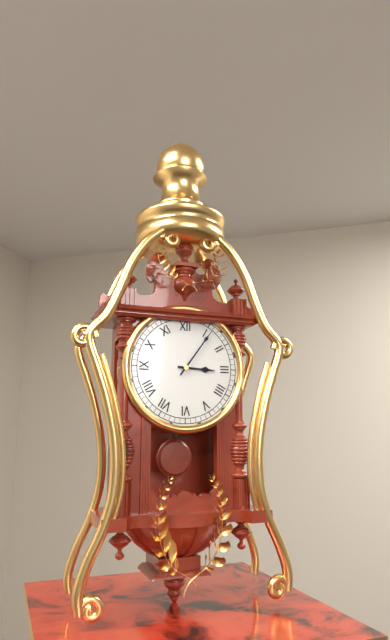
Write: 3,06
